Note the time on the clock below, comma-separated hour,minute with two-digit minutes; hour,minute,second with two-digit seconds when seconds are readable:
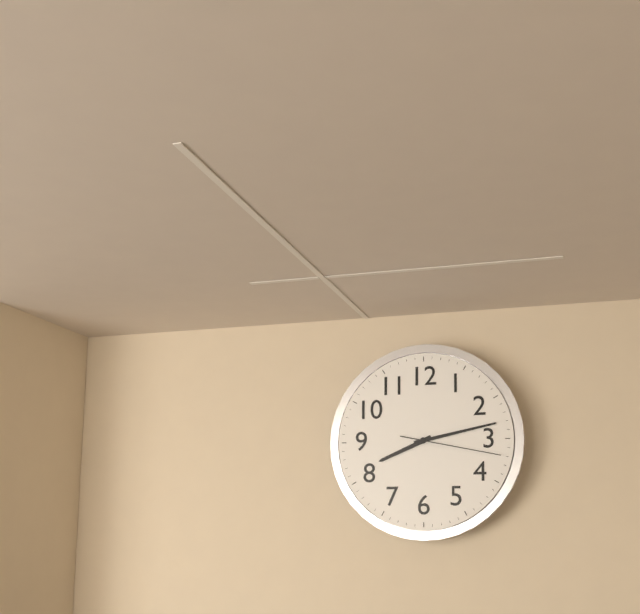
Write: 8,13,17
